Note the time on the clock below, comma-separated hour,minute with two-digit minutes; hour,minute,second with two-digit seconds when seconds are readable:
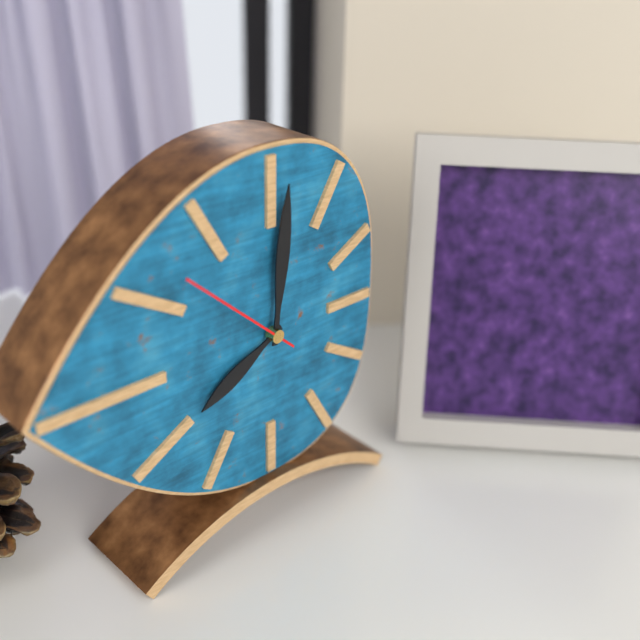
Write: 8,01,52
